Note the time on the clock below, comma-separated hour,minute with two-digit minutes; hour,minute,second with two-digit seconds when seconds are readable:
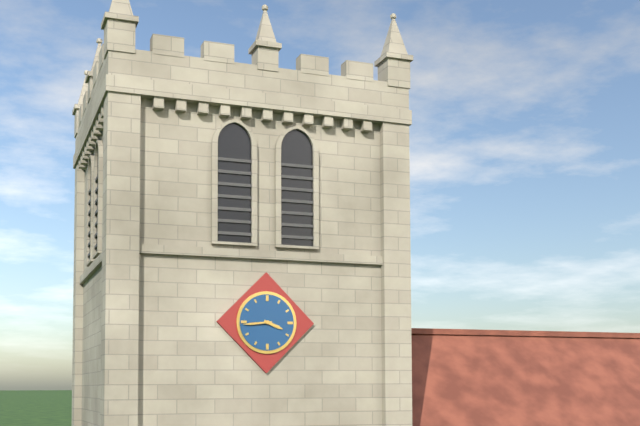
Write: 3,44
